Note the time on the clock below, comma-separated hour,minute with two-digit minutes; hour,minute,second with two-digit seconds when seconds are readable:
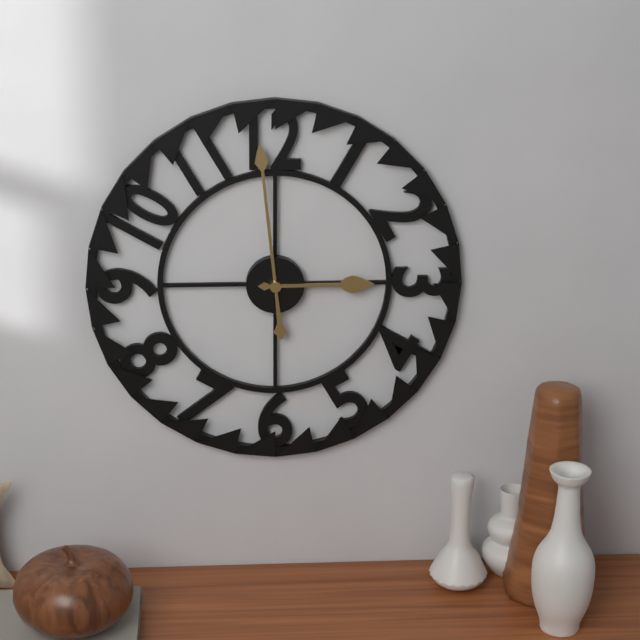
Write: 2,59
